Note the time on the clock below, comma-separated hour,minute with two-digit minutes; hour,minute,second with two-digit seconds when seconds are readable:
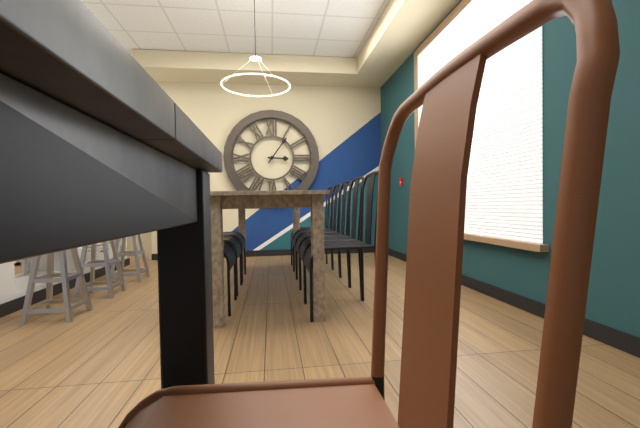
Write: 3,06
